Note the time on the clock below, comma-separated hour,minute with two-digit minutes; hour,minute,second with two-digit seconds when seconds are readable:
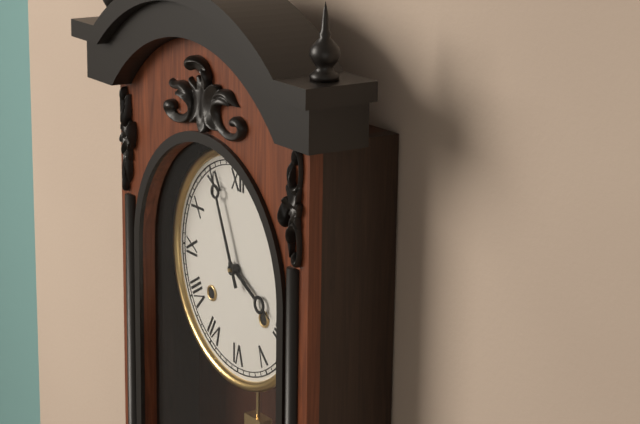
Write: 3,56
